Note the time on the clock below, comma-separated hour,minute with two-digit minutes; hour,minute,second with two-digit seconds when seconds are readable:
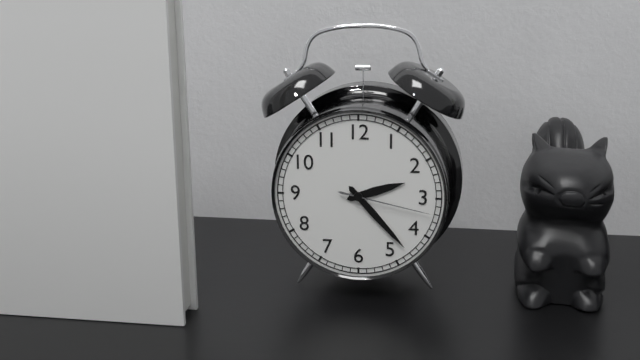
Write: 2,23,17
